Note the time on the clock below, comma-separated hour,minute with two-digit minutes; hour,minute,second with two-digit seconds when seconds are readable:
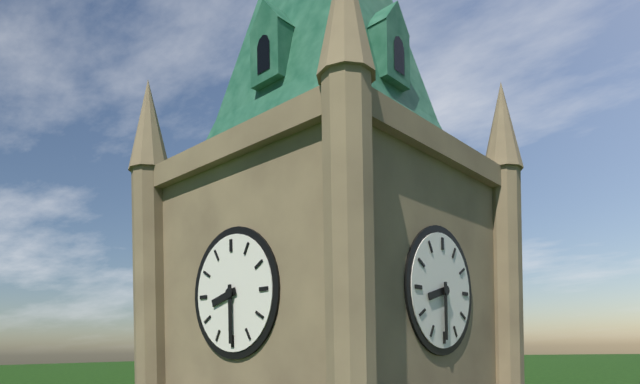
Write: 8,30
